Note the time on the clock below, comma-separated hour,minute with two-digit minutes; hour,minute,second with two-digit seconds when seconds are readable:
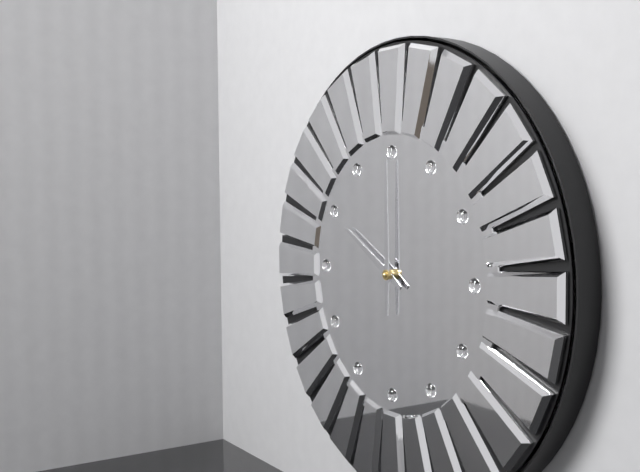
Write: 10,00
